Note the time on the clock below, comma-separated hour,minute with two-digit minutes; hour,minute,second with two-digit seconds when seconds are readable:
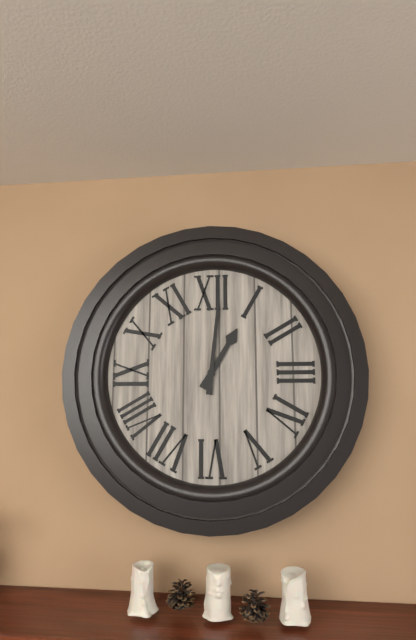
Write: 1,01
